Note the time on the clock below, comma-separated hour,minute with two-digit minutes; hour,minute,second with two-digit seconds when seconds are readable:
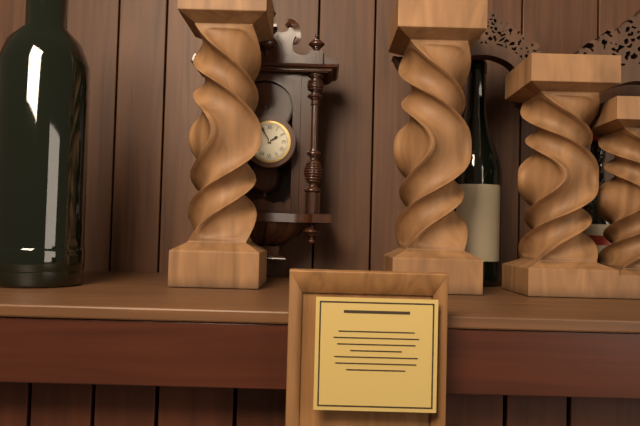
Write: 1,55
